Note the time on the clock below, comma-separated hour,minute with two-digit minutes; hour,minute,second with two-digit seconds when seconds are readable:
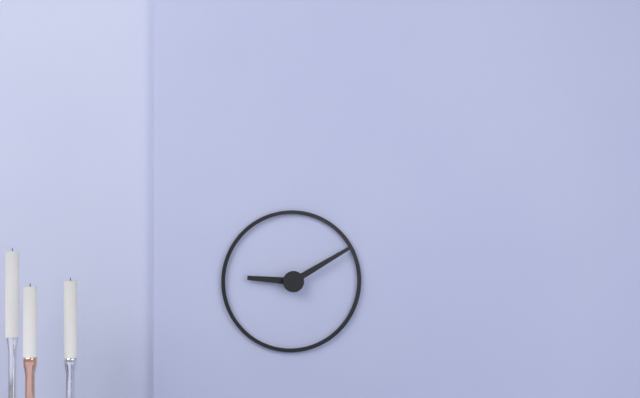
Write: 9,10
